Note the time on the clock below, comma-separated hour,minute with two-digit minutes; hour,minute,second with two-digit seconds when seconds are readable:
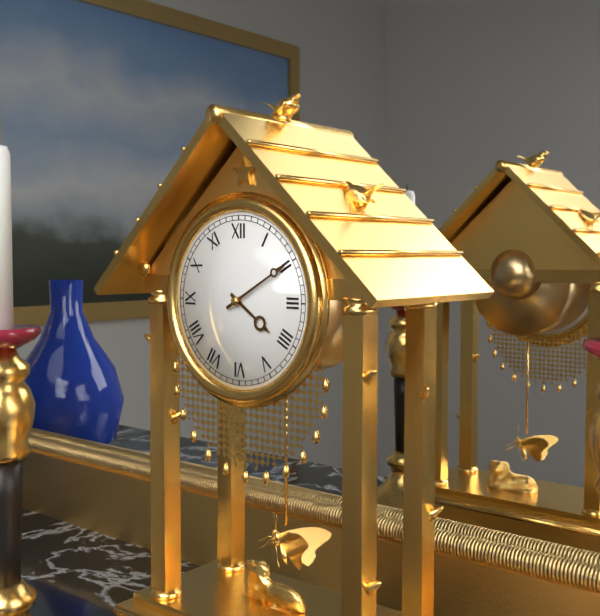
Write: 4,10
